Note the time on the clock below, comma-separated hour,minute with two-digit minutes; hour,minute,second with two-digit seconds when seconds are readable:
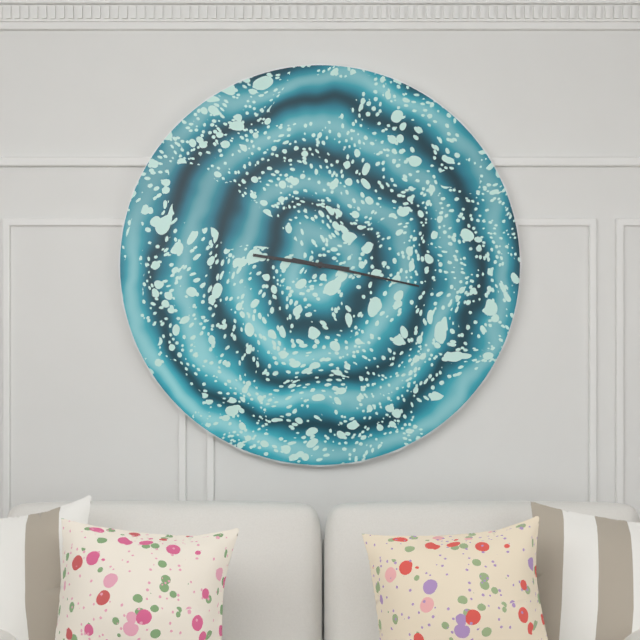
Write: 9,17
